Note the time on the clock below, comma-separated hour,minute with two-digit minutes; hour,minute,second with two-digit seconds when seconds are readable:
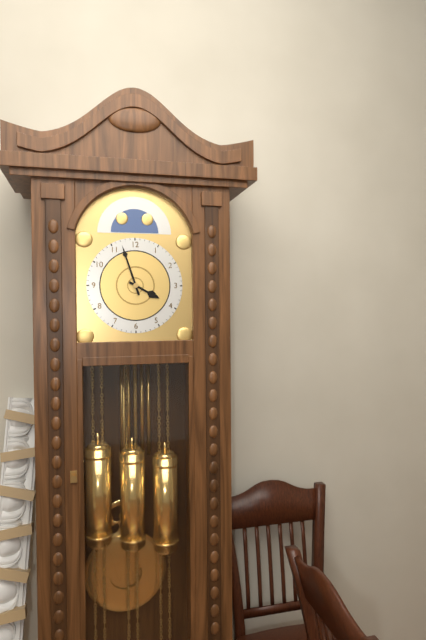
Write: 3,57
